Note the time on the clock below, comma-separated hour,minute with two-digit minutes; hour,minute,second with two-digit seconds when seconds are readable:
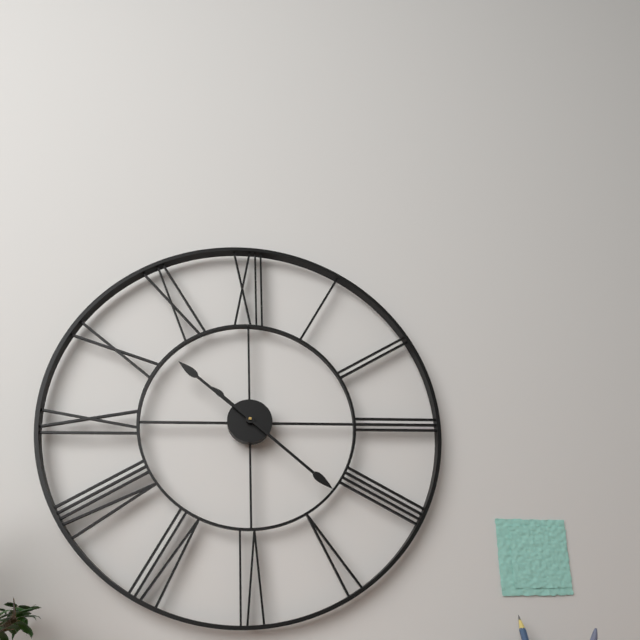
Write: 10,22
